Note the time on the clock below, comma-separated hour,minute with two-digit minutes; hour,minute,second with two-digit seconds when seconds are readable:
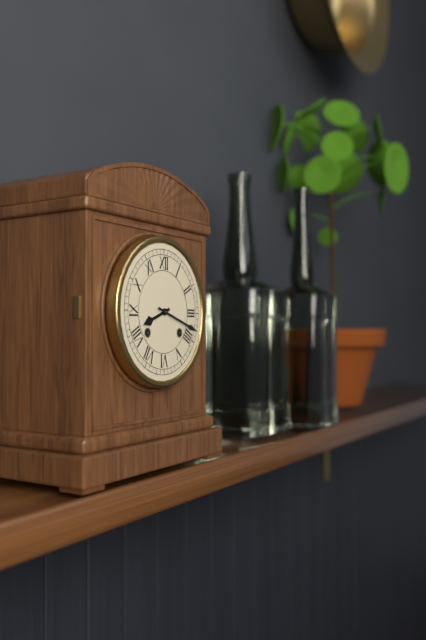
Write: 8,18
